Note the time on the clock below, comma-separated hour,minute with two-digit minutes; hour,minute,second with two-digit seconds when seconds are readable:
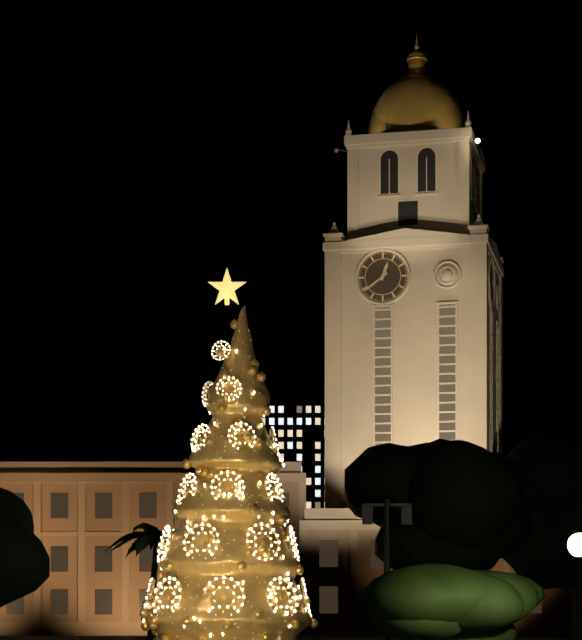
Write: 12,39
